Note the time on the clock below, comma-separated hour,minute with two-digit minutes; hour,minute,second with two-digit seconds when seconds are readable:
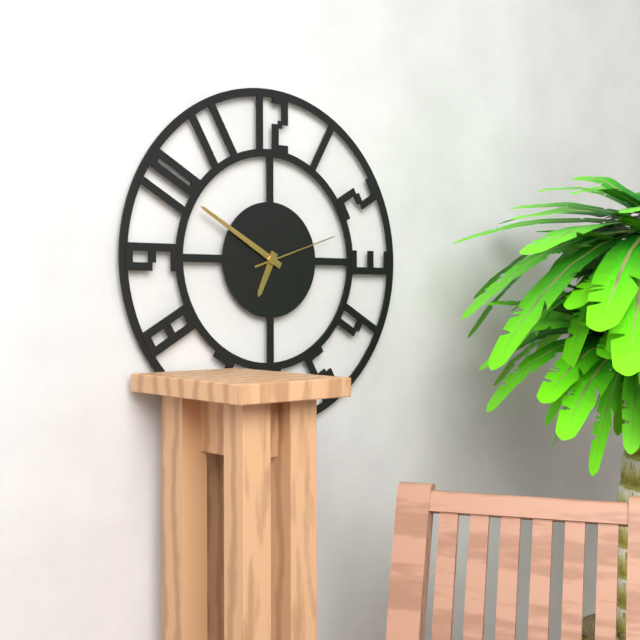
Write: 6,50,12
